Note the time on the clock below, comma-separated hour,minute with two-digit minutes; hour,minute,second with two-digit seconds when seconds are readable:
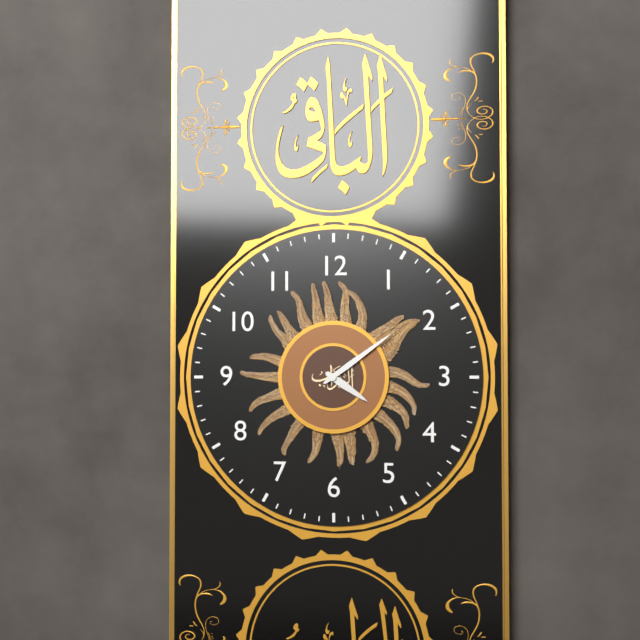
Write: 4,09
